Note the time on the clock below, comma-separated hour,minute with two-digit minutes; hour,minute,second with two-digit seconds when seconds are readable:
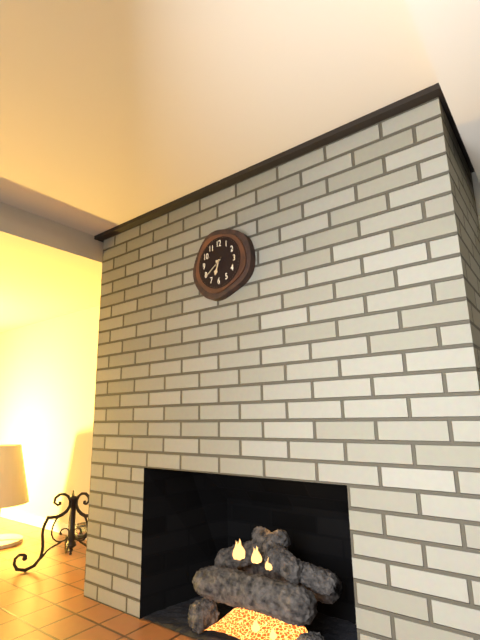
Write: 6,39
